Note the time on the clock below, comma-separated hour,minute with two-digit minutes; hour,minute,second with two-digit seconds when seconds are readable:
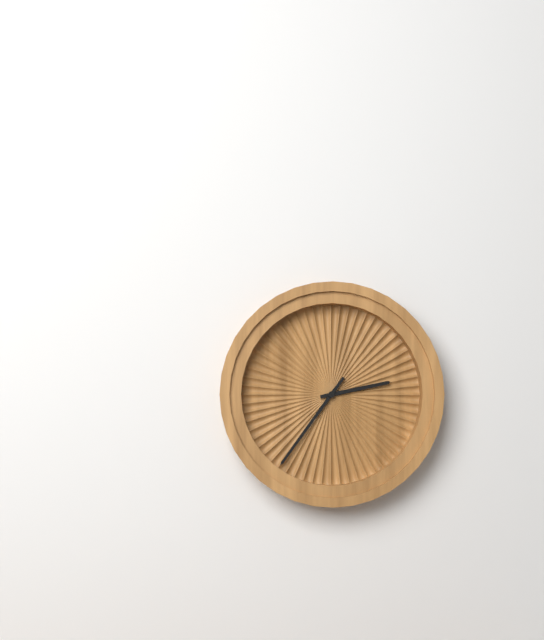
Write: 2,36
